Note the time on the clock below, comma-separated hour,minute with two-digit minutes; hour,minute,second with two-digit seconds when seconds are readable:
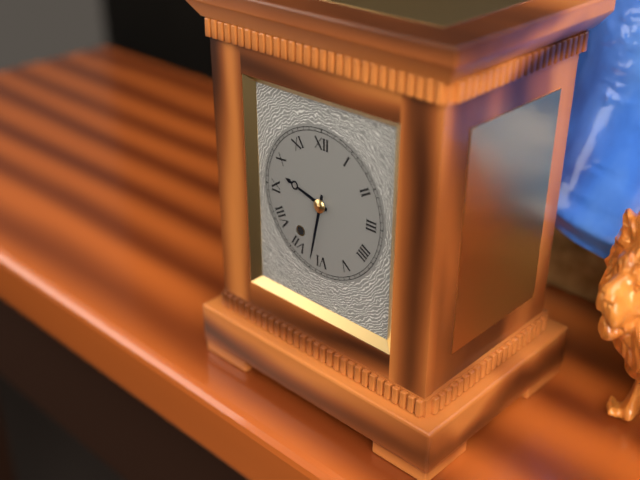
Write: 9,32
